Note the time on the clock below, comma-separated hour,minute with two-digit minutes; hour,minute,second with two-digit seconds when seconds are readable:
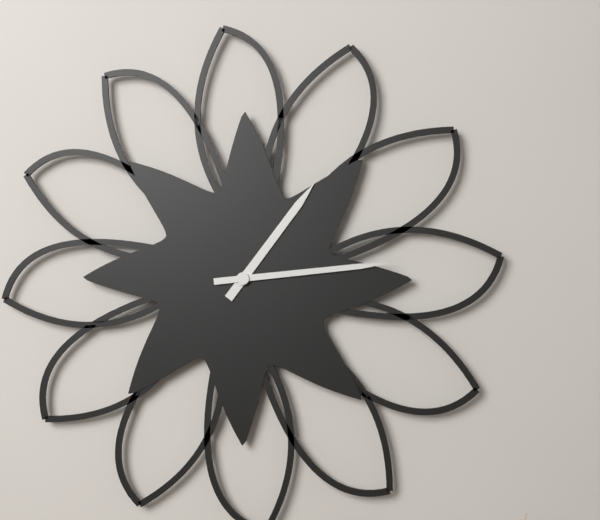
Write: 1,14
